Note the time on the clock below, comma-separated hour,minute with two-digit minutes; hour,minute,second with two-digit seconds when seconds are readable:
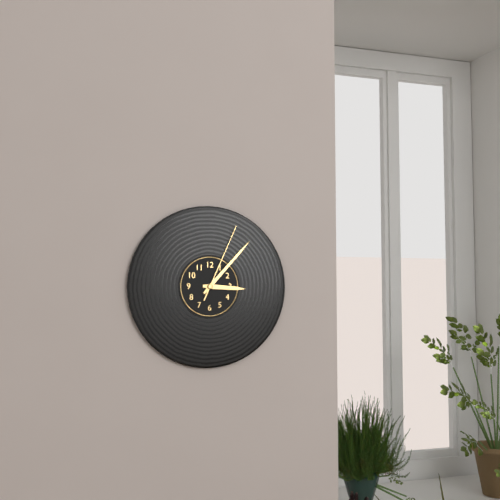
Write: 3,07,04
